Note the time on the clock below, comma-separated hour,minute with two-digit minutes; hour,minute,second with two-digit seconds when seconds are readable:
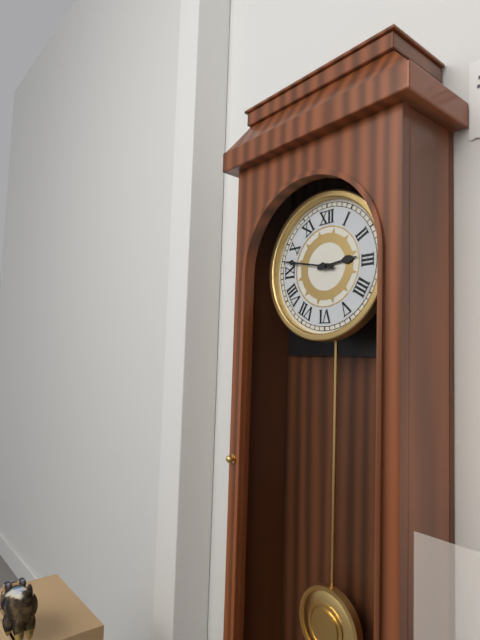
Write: 2,47
